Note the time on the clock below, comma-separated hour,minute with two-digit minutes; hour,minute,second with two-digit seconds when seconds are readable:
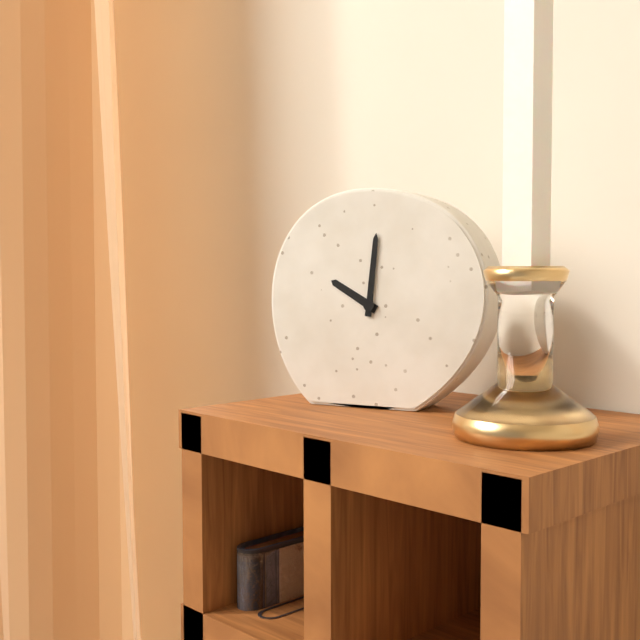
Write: 10,01
